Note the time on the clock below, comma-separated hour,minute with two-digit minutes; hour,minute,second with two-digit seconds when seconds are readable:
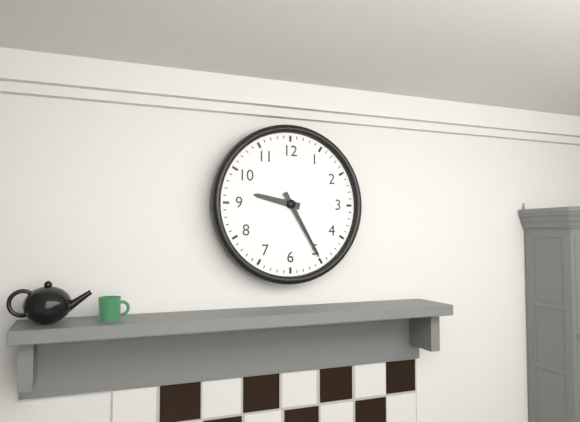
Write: 9,25
